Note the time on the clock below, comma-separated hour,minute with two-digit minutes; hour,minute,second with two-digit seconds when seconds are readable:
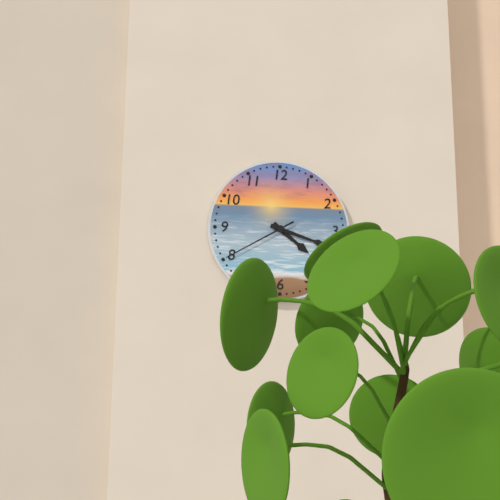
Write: 4,18,40
